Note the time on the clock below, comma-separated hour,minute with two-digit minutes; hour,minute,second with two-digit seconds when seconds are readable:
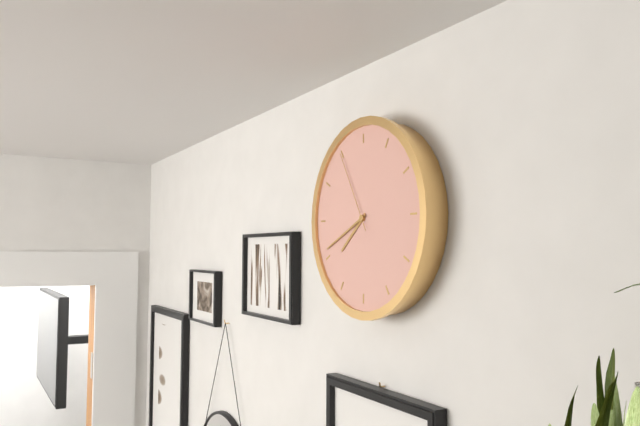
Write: 7,41,55
